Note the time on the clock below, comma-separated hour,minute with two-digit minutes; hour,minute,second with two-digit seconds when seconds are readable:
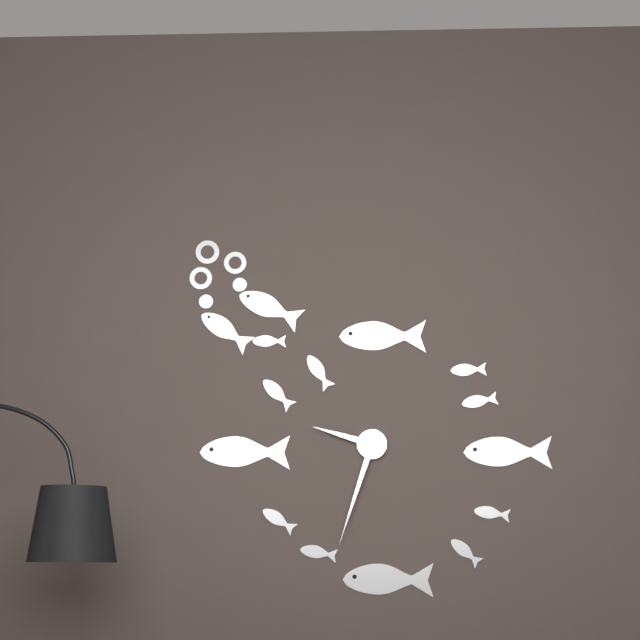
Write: 9,33
